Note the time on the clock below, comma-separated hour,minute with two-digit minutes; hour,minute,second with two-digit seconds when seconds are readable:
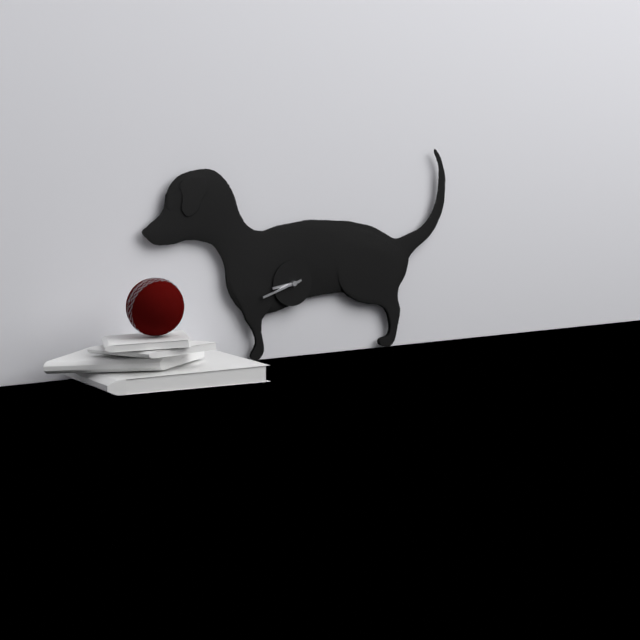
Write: 8,42
